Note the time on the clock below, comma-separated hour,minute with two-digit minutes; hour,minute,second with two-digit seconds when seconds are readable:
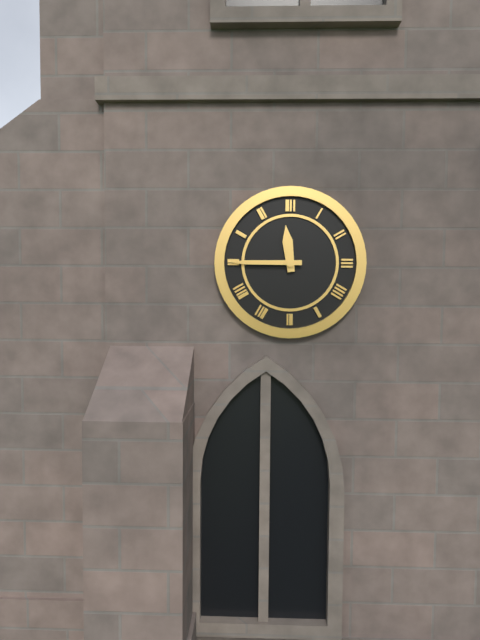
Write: 11,45
